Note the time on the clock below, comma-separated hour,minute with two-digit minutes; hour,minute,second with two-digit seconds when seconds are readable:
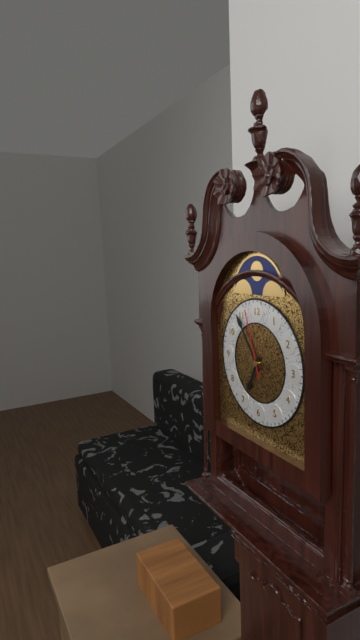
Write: 6,54,57
